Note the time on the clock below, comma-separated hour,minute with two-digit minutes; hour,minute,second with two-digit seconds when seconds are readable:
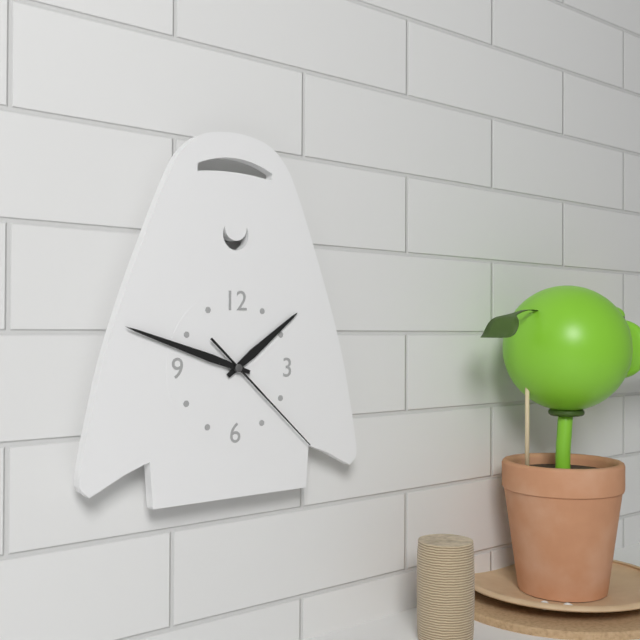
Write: 1,48,22
